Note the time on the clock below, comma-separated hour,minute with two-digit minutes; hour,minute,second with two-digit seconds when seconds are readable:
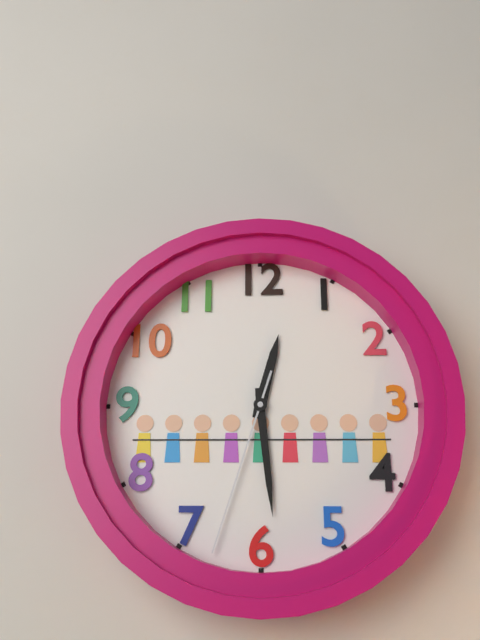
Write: 12,29,33
